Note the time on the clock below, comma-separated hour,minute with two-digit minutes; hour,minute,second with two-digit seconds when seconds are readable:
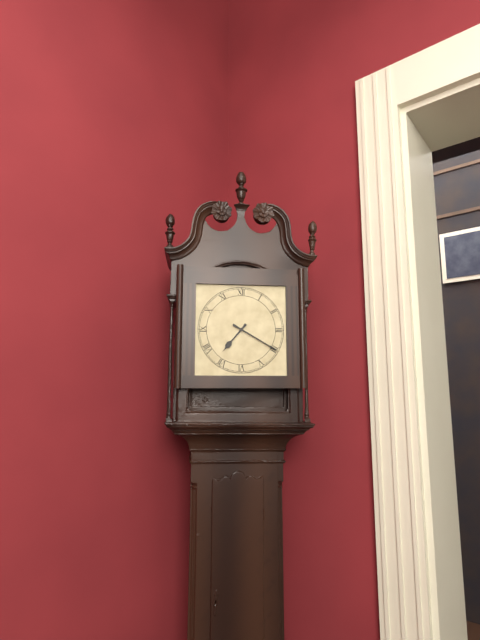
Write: 7,20
